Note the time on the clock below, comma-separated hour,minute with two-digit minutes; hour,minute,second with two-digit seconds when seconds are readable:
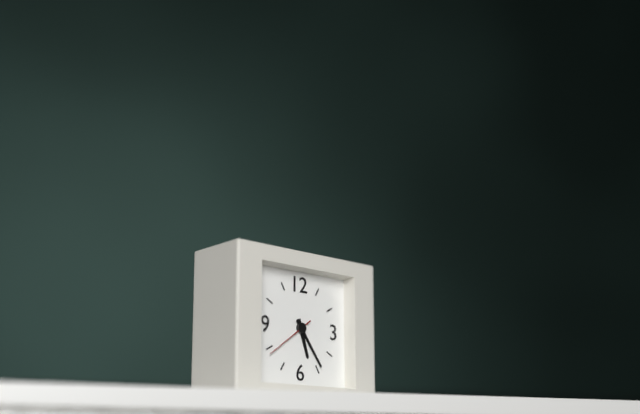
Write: 5,24
